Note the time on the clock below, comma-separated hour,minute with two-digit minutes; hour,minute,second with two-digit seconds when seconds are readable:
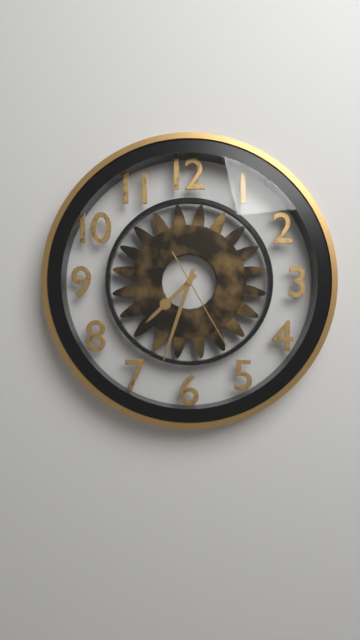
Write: 7,33,25
